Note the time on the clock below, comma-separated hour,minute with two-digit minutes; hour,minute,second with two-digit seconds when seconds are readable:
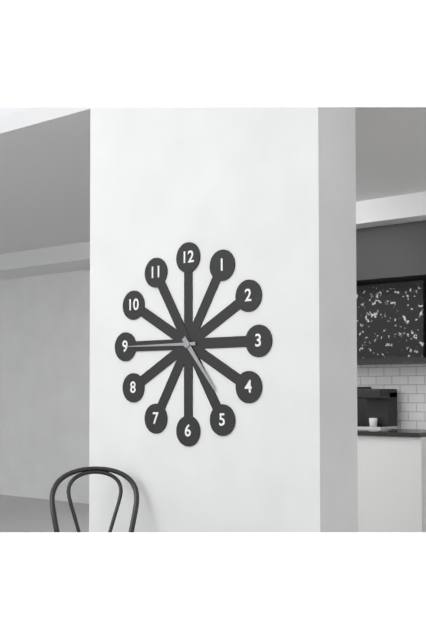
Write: 4,45
